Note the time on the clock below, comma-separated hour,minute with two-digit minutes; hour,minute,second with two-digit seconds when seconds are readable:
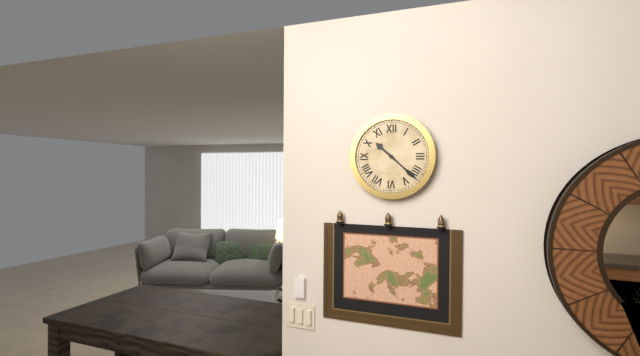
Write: 10,22
